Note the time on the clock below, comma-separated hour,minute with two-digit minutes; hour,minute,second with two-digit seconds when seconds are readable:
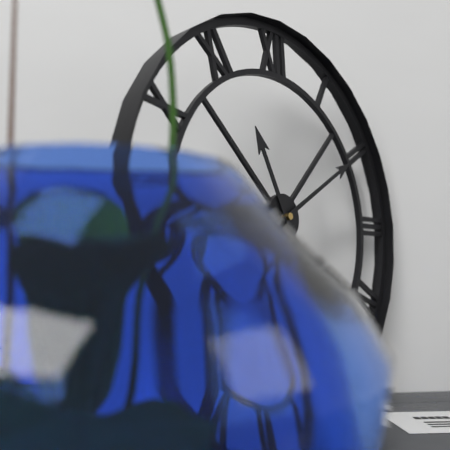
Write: 11,10
